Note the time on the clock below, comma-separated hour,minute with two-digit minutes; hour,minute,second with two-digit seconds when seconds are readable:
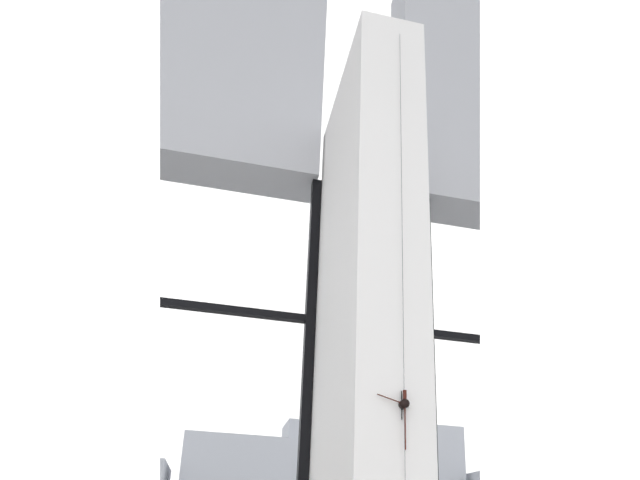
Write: 9,30
